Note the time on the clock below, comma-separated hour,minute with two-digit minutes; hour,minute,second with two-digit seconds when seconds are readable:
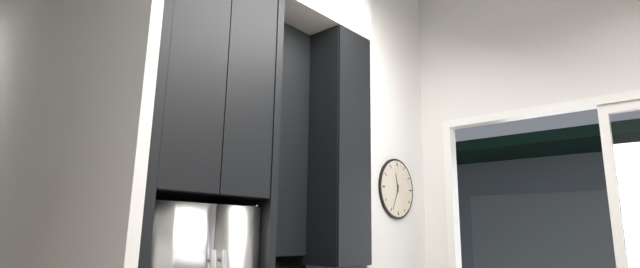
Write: 11,34
